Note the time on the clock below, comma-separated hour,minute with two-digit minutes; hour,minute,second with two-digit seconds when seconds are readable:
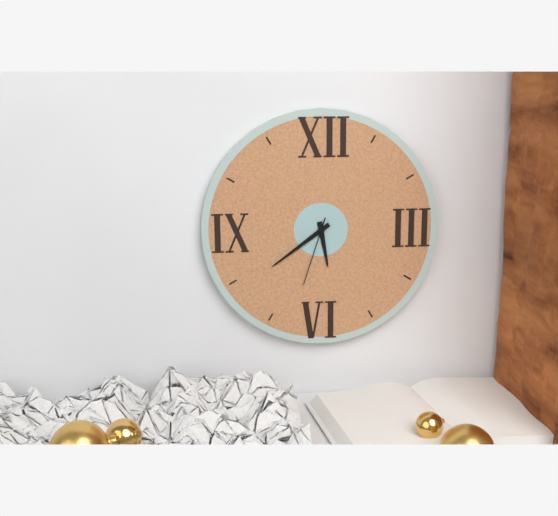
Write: 5,39,33
